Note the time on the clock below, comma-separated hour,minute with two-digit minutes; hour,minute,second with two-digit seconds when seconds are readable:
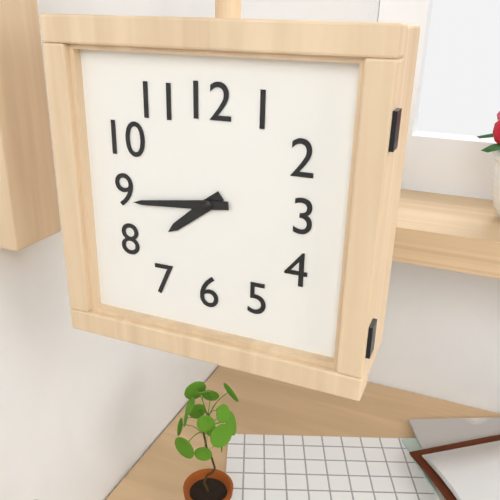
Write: 7,44
